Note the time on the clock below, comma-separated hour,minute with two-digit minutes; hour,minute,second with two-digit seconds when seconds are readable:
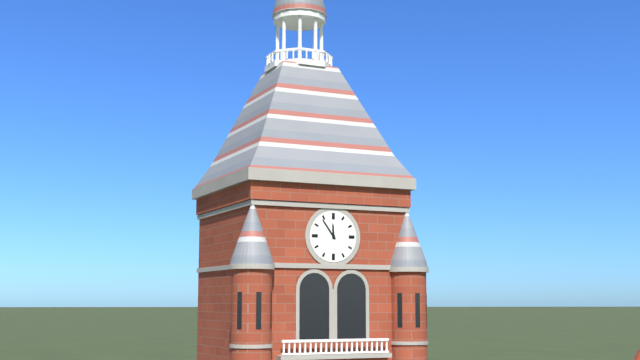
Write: 11,54
